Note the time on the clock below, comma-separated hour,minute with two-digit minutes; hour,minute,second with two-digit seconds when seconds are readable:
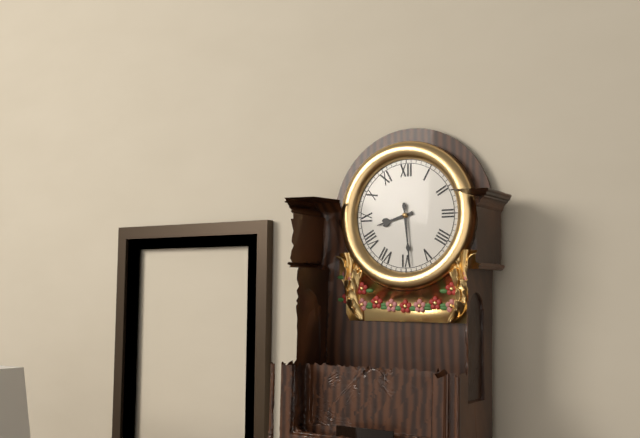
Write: 8,29
